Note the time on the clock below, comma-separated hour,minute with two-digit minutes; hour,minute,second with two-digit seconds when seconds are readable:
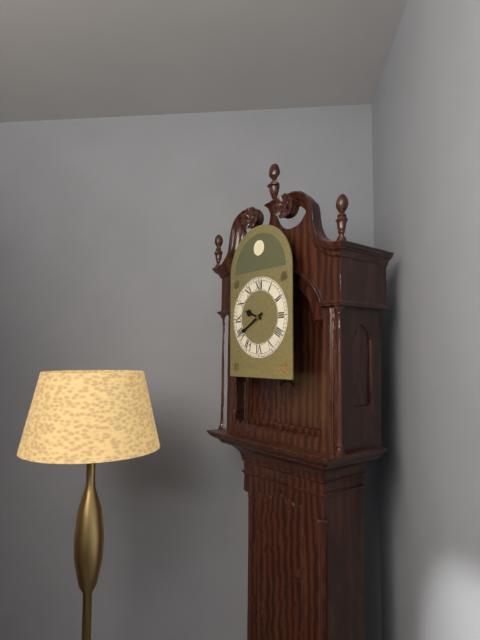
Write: 9,40
